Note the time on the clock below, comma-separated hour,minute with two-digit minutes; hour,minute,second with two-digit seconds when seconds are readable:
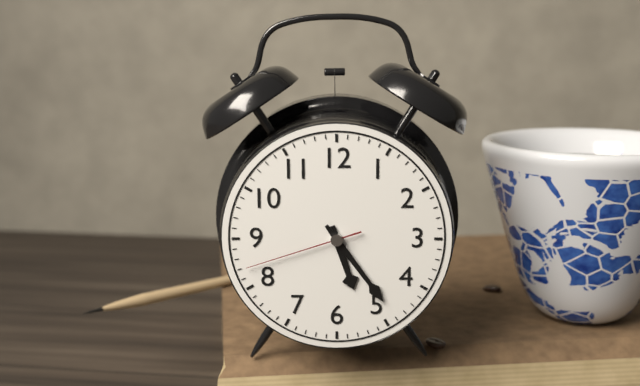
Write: 5,24,42
